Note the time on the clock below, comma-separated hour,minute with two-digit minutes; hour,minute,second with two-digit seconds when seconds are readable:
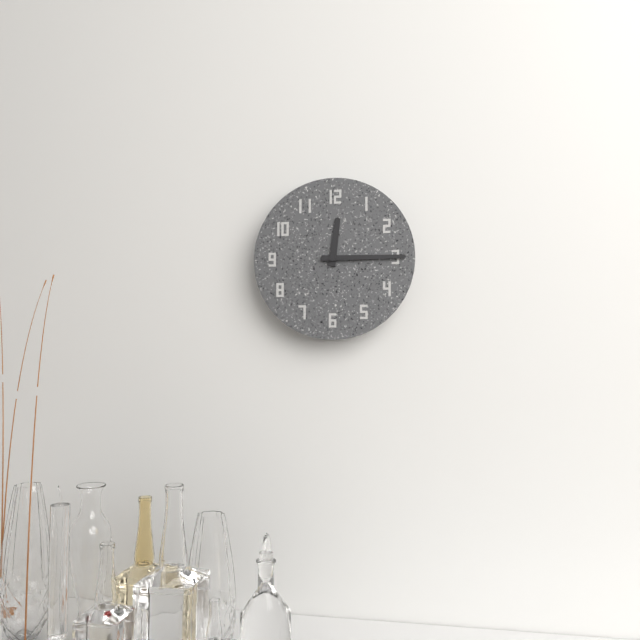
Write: 12,15
